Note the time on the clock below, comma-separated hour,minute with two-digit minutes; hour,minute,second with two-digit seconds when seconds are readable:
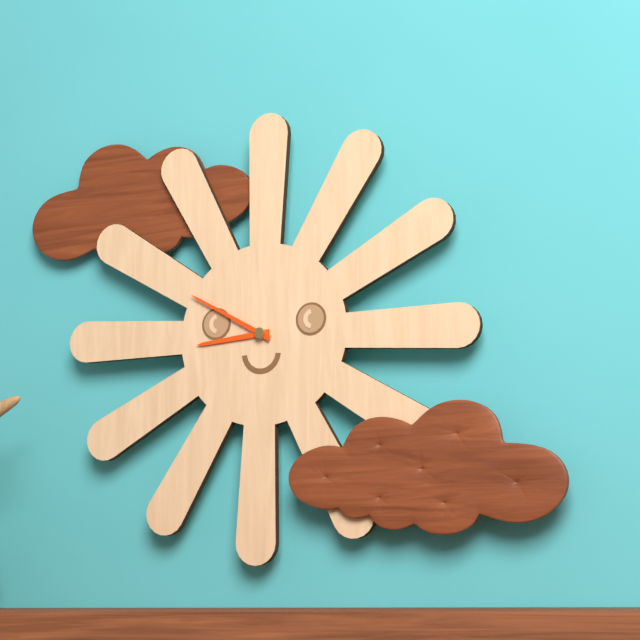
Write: 8,50
